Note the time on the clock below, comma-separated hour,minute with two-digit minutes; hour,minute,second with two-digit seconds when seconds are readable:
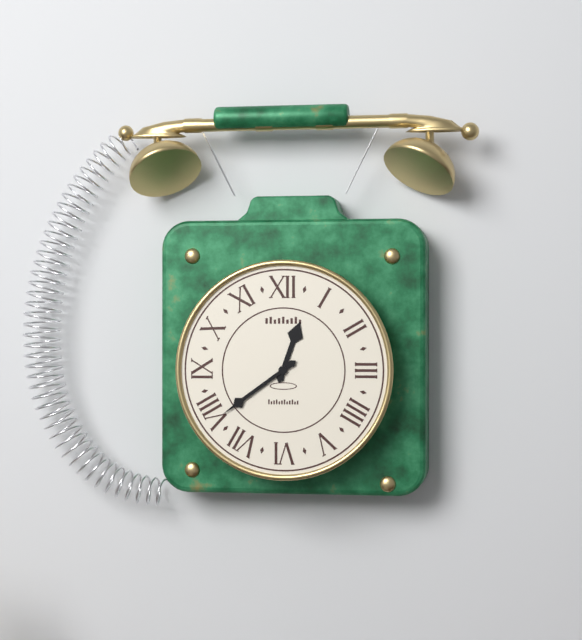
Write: 12,39
